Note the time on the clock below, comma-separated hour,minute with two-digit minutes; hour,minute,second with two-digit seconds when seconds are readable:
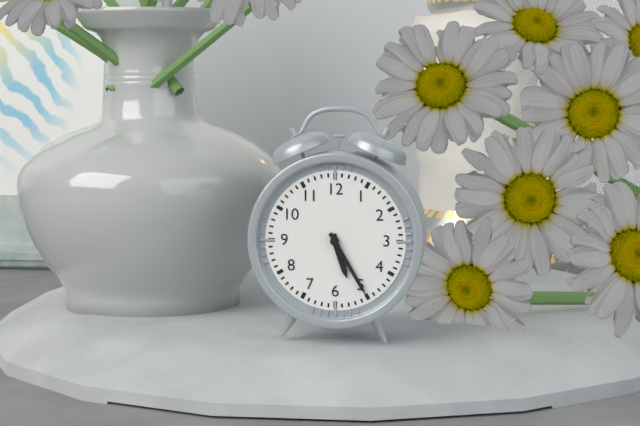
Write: 5,25
